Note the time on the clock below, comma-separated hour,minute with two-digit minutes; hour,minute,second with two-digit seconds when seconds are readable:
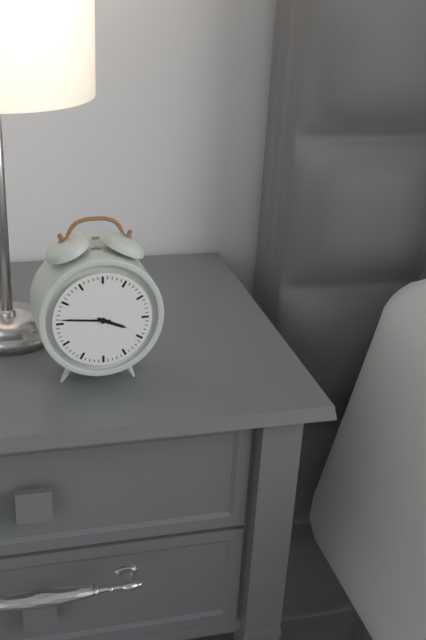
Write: 3,46
